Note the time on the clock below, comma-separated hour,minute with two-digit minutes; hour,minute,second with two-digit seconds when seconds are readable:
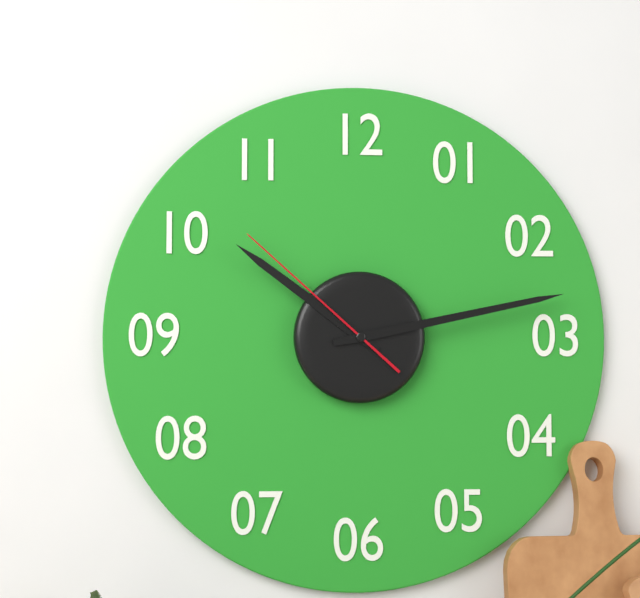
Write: 10,13,52
